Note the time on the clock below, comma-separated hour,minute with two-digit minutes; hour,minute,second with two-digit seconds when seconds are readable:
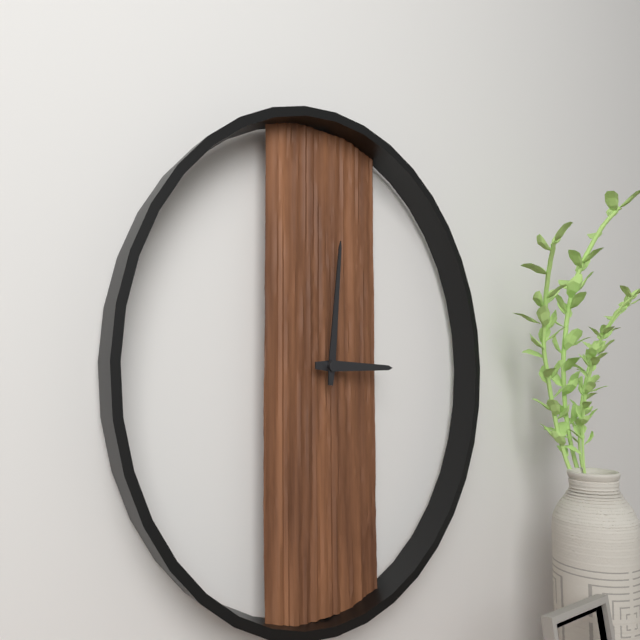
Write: 3,01
